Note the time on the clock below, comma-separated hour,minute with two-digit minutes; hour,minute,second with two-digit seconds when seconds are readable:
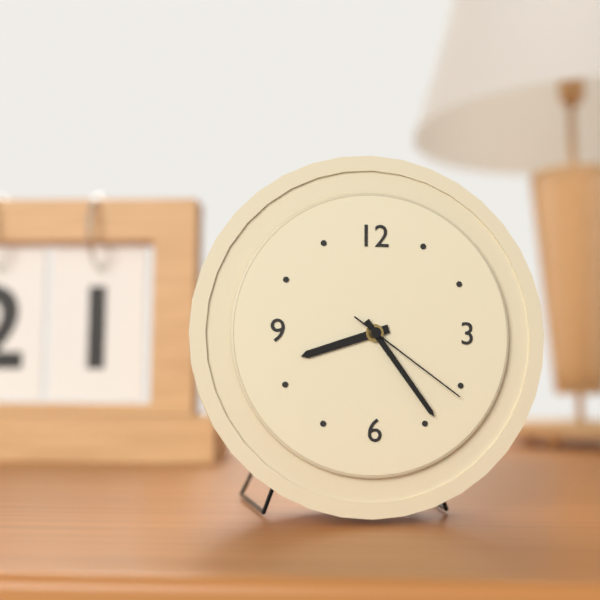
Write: 8,24,21
